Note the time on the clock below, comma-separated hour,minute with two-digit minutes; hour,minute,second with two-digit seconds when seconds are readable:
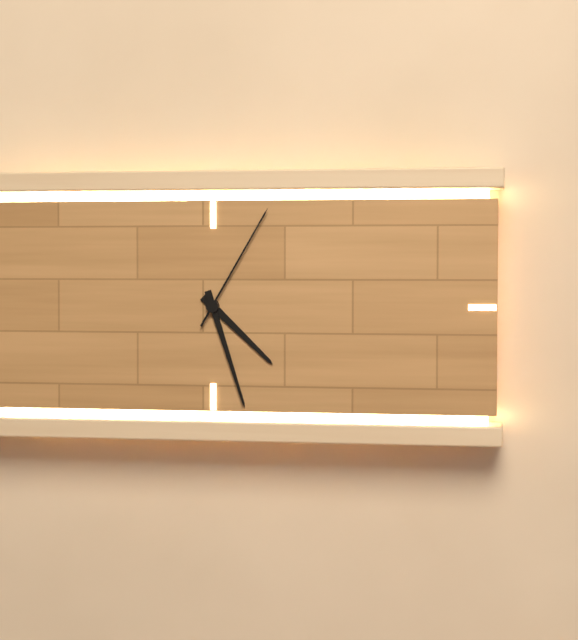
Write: 4,27,05
